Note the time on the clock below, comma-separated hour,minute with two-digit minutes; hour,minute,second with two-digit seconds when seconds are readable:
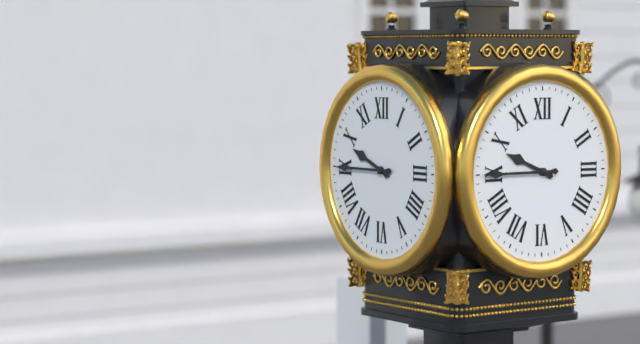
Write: 9,45
